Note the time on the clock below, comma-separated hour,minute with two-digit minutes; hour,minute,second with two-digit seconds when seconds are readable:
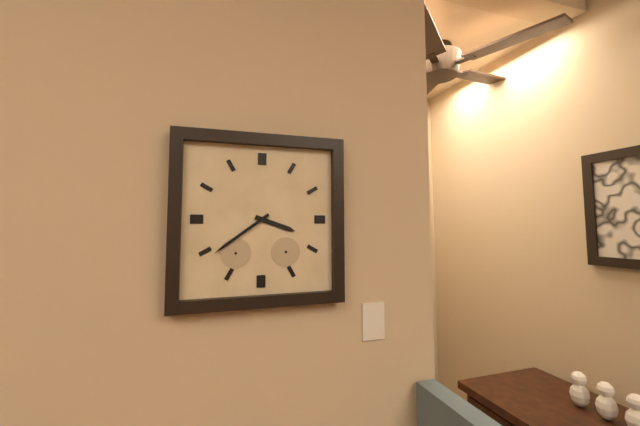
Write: 3,39
